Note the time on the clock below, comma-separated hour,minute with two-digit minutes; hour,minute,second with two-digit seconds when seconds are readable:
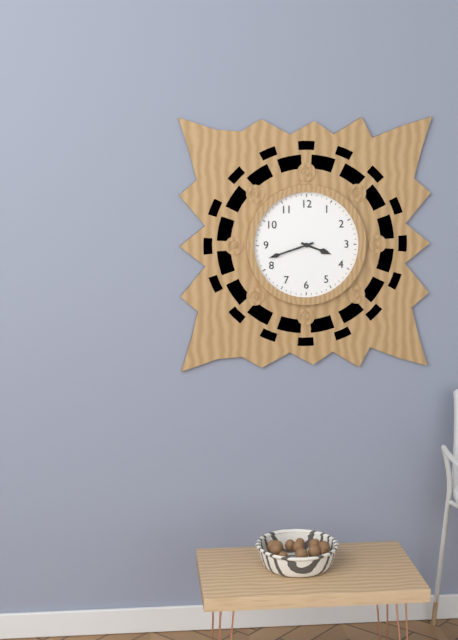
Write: 3,42
